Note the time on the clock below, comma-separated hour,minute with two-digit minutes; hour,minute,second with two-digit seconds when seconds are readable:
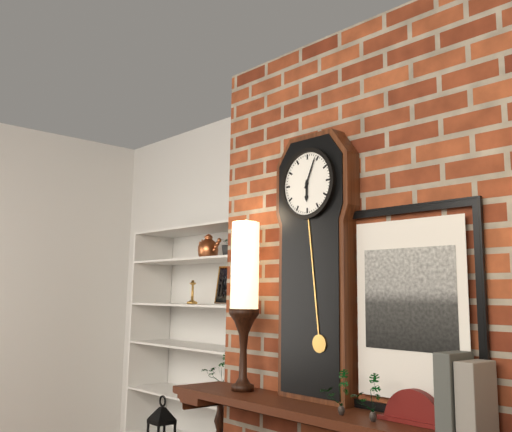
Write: 6,04
